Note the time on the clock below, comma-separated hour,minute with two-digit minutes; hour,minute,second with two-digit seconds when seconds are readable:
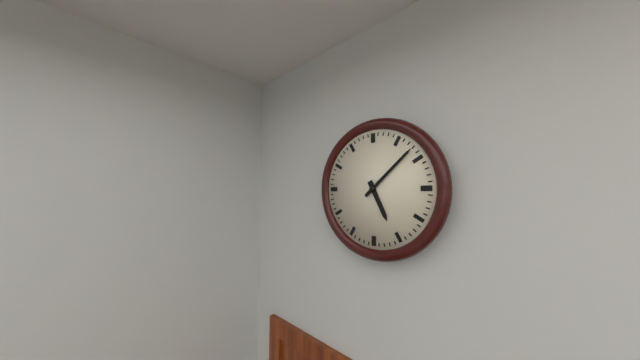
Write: 5,08
